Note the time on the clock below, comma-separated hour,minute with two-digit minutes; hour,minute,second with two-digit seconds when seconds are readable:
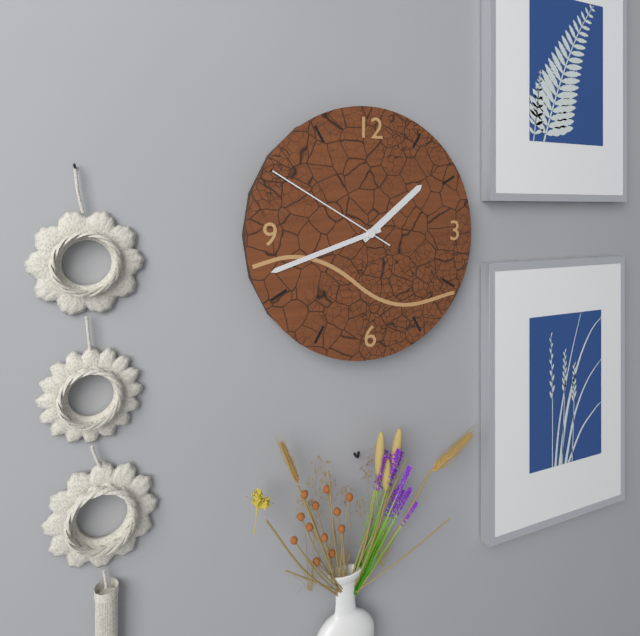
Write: 1,42,50
